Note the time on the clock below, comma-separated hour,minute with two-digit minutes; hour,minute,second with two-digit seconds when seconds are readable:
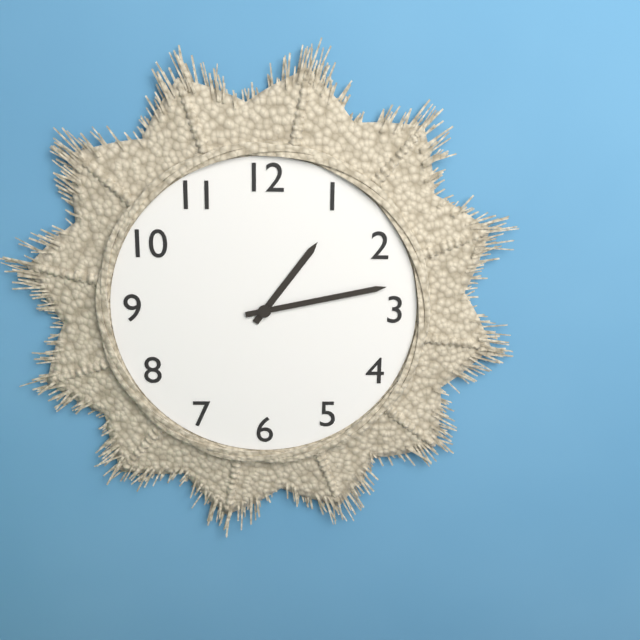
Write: 1,13
